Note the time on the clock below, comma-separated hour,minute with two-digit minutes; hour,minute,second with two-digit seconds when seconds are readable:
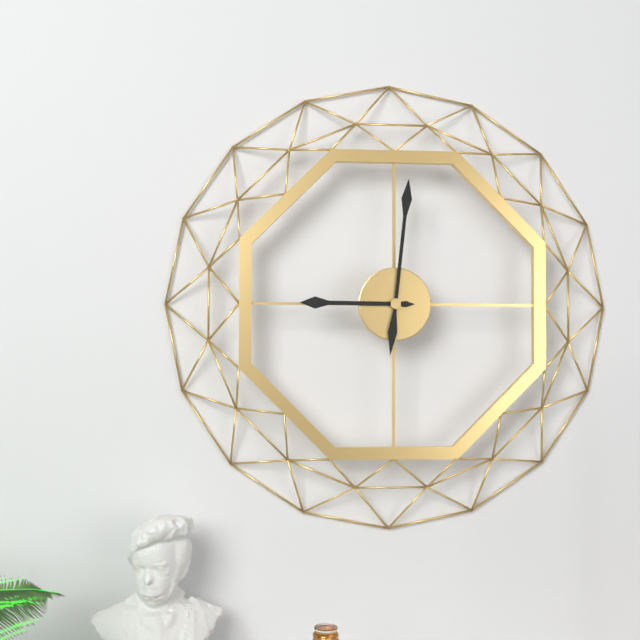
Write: 9,01
